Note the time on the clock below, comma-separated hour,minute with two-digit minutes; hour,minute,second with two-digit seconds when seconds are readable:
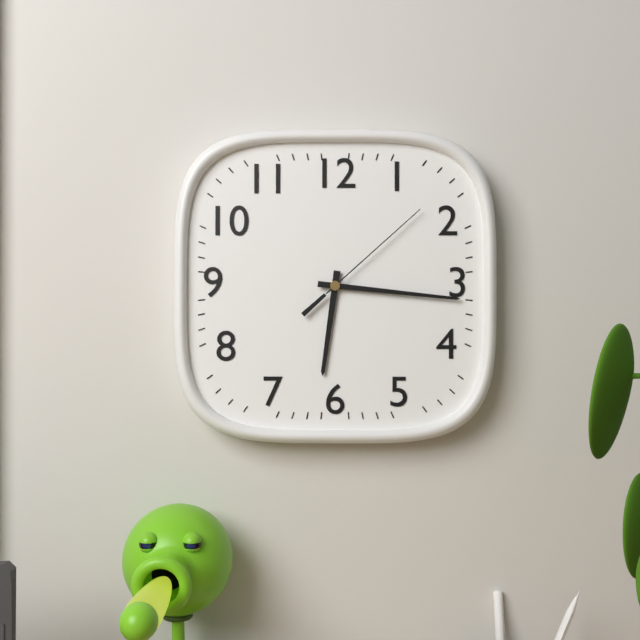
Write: 6,16,08
